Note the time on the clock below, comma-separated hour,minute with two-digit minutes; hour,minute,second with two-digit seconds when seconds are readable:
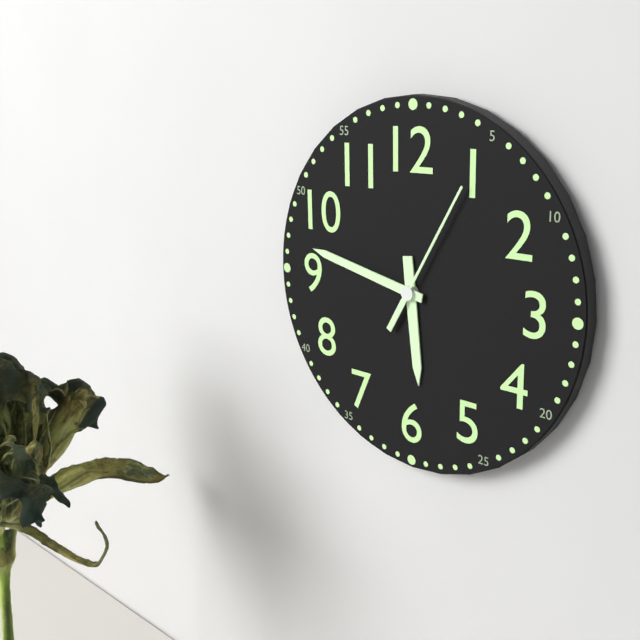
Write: 5,47,05
